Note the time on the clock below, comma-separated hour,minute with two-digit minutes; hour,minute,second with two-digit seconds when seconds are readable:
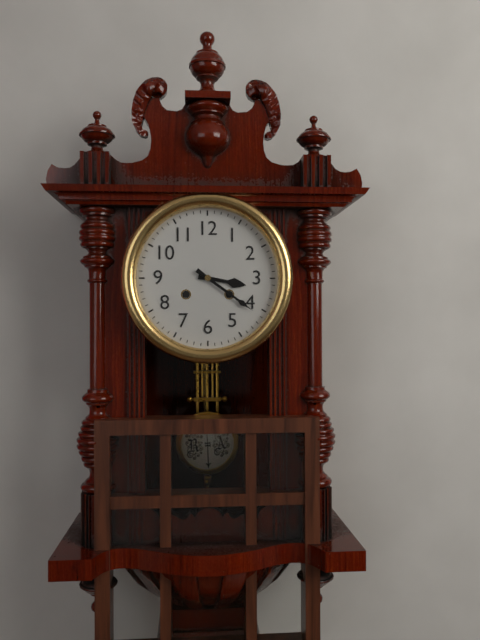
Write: 3,21
